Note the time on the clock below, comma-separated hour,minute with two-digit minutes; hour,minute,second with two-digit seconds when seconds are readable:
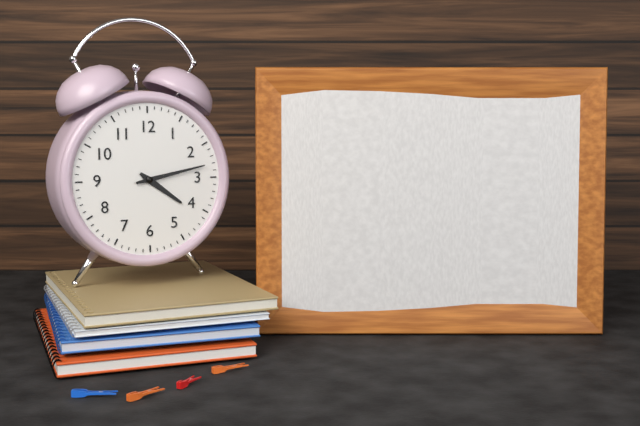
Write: 4,13
